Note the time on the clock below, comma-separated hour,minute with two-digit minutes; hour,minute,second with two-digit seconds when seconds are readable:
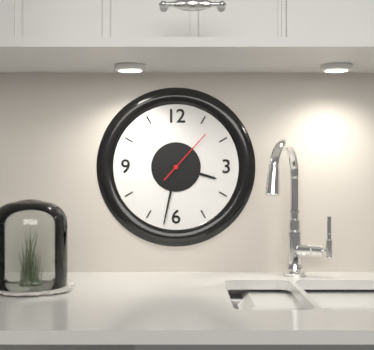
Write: 3,32,07
